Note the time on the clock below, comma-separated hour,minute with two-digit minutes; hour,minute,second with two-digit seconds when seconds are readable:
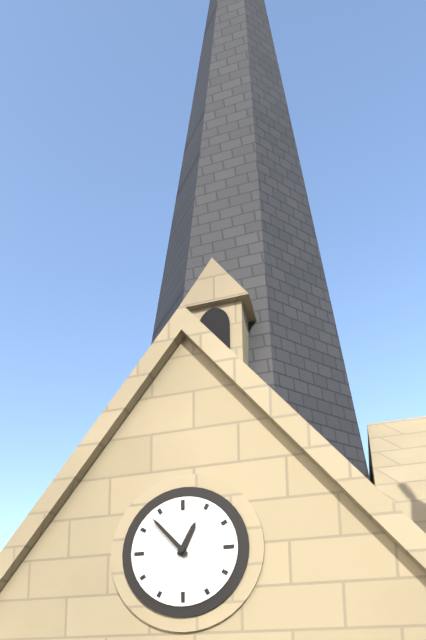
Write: 12,53
